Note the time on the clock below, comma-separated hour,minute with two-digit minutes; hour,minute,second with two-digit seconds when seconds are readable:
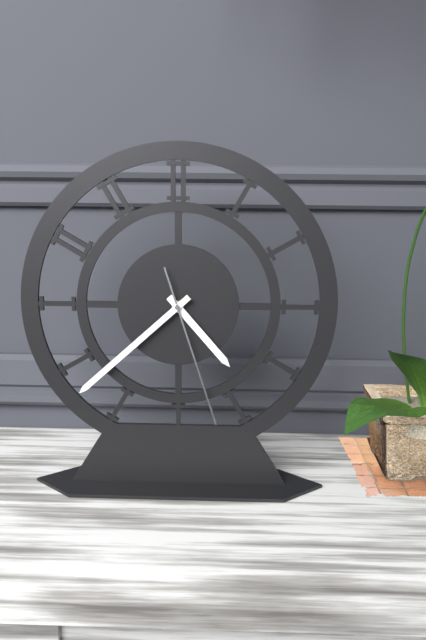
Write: 4,38,27
